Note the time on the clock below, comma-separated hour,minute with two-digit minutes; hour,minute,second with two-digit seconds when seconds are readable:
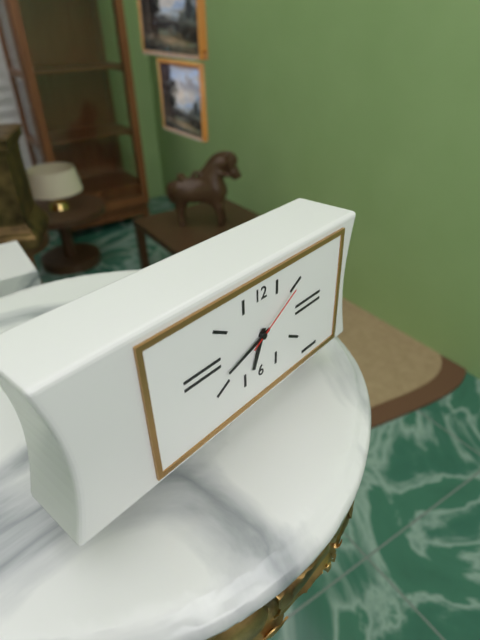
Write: 6,42,10
